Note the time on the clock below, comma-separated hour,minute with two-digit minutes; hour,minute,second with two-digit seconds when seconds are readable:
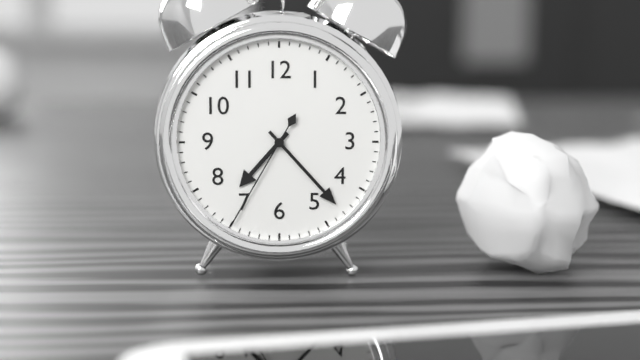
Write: 7,23,35
